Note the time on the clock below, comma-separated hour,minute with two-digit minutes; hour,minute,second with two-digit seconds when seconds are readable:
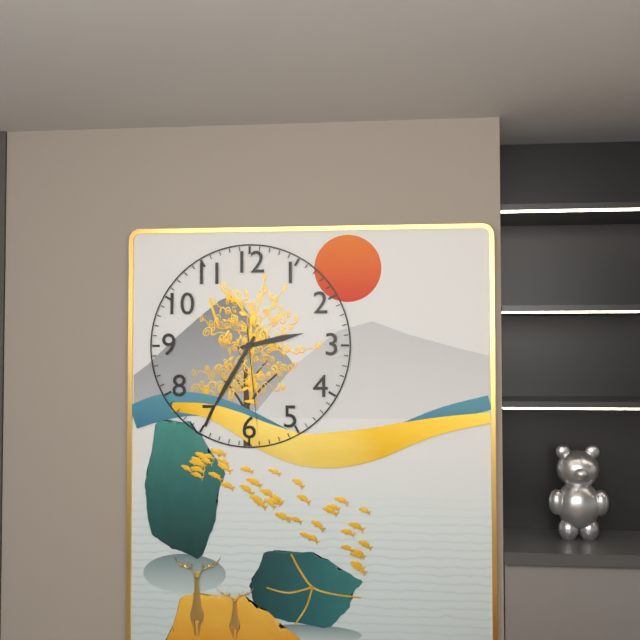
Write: 2,35,29
